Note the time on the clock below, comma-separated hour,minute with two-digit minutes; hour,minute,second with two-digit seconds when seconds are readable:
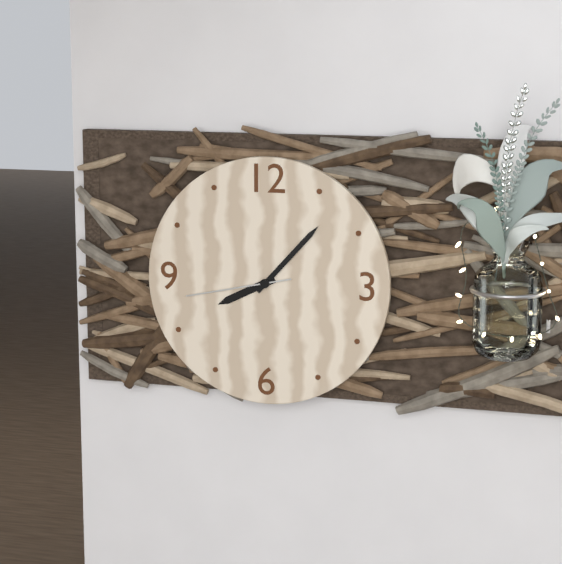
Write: 8,07,43
